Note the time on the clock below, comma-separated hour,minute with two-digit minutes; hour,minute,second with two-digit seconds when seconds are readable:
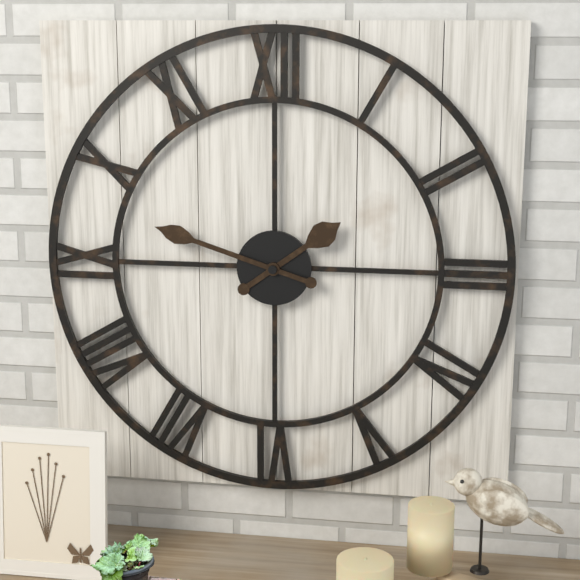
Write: 1,48
